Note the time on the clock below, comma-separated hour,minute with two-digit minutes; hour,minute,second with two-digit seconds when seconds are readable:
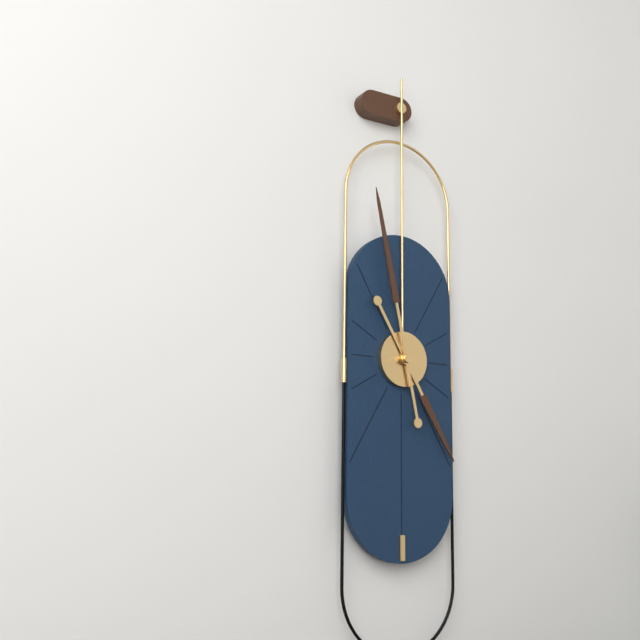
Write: 4,58
